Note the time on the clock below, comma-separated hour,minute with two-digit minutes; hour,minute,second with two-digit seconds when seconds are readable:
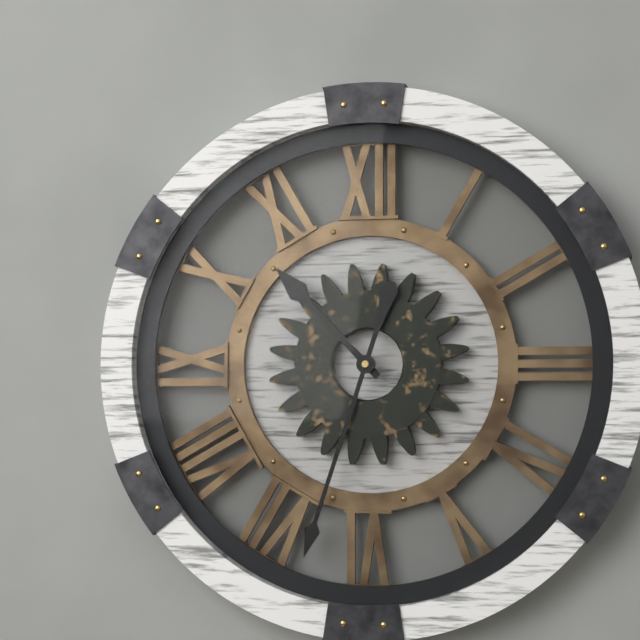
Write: 10,33
